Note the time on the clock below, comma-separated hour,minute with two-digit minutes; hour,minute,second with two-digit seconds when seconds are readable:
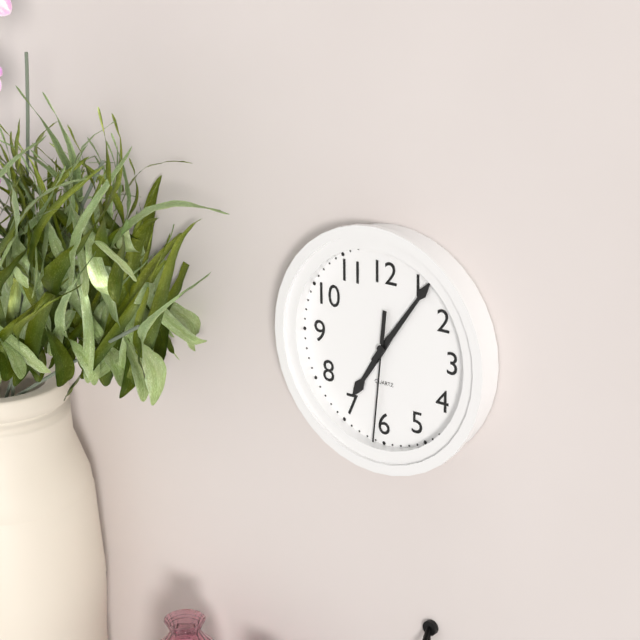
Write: 7,06,31
